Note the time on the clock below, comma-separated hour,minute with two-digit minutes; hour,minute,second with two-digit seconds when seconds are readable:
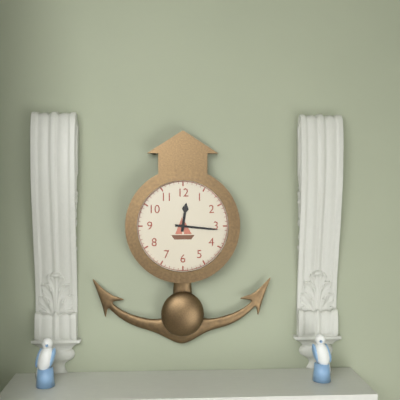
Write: 12,16
